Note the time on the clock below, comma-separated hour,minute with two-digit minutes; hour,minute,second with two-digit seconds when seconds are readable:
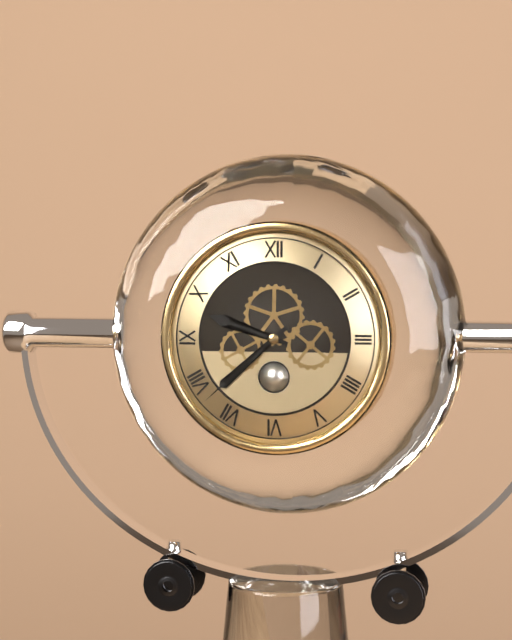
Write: 9,38
